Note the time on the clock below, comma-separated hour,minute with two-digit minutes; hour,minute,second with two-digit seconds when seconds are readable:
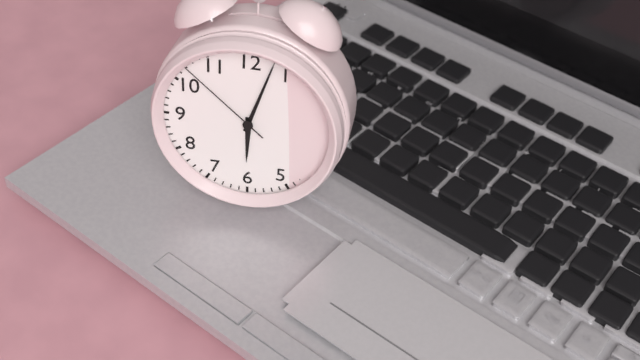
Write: 6,03,52
